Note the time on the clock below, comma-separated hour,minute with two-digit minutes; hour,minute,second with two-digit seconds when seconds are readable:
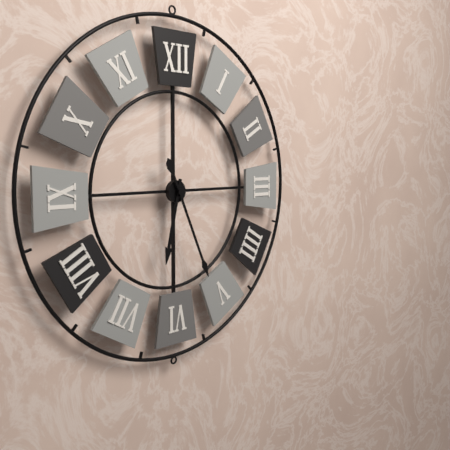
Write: 6,26
